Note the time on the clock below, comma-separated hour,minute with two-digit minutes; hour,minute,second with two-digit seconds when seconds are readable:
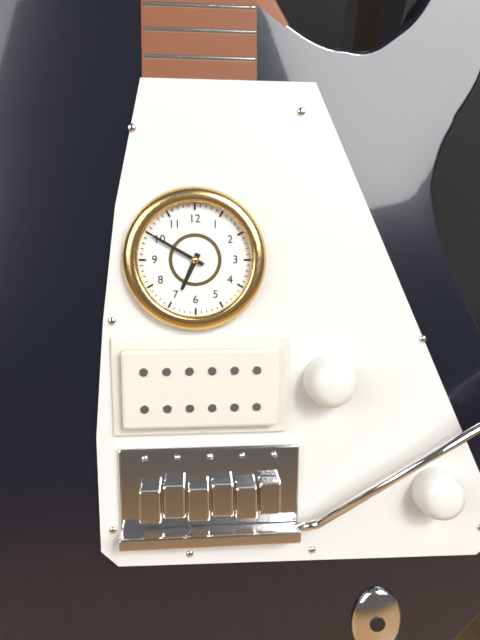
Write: 6,50
